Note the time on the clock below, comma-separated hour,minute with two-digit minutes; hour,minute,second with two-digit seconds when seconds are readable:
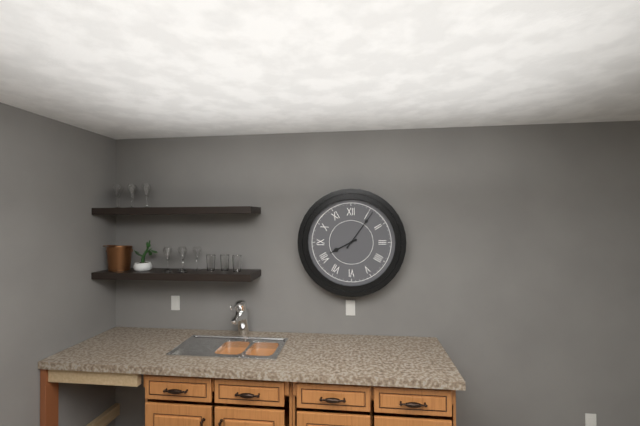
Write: 8,06
